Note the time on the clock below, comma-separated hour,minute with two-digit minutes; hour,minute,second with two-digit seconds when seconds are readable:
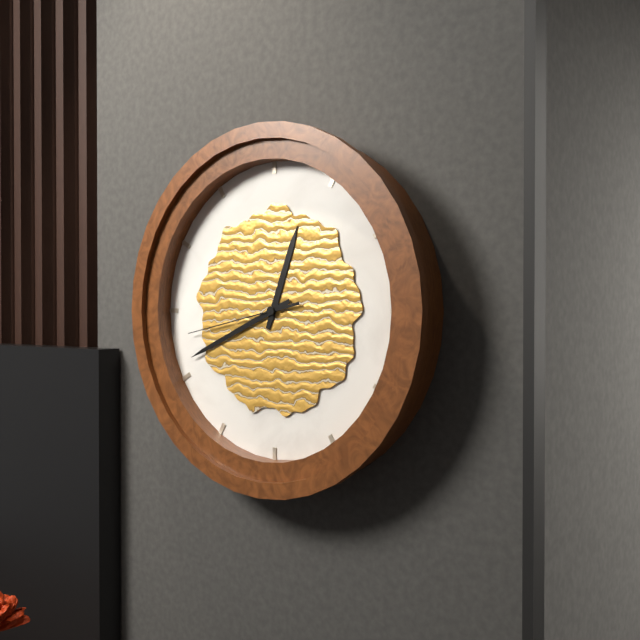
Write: 12,41,43
